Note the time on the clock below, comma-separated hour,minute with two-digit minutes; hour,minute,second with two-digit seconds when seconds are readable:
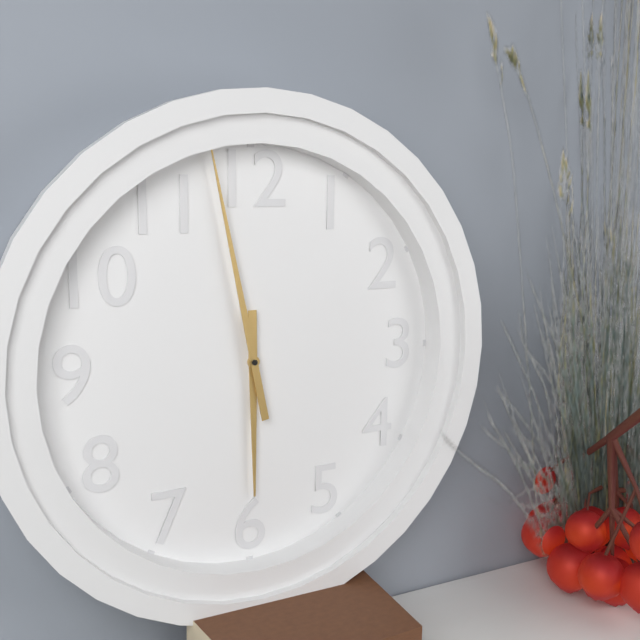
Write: 5,58
